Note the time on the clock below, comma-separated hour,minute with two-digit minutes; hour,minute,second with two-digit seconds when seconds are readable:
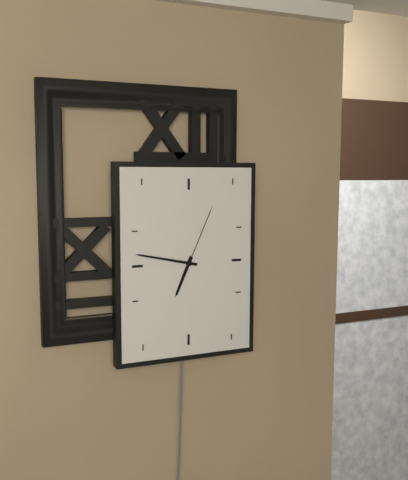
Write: 6,47,04
